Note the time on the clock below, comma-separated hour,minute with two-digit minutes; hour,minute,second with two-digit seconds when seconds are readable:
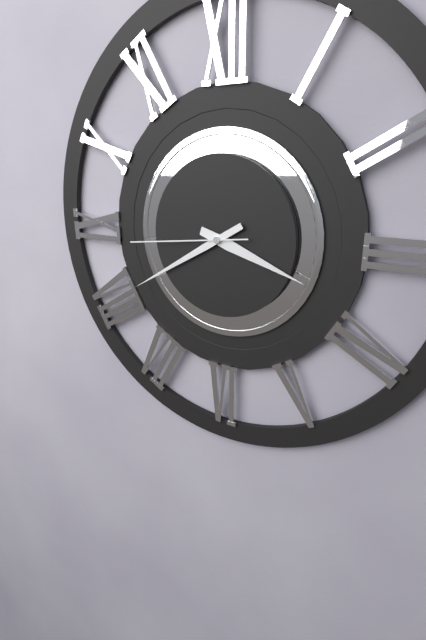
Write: 3,40,44
